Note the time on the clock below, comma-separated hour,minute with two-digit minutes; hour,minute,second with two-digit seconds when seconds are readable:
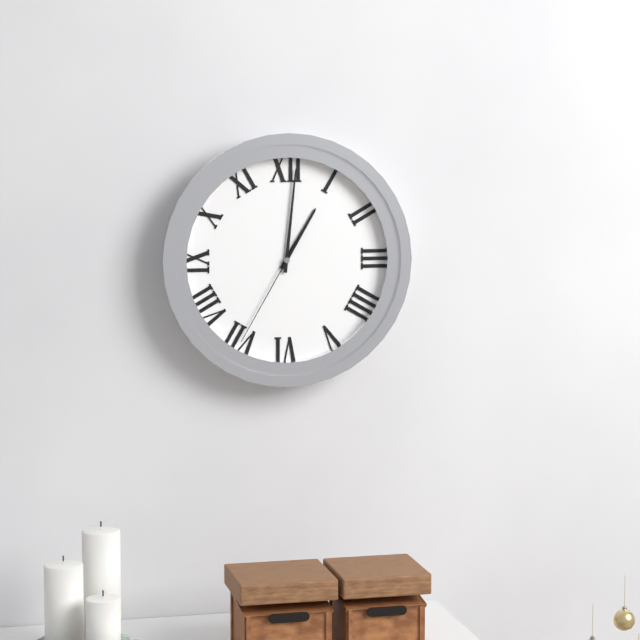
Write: 1,01,35
